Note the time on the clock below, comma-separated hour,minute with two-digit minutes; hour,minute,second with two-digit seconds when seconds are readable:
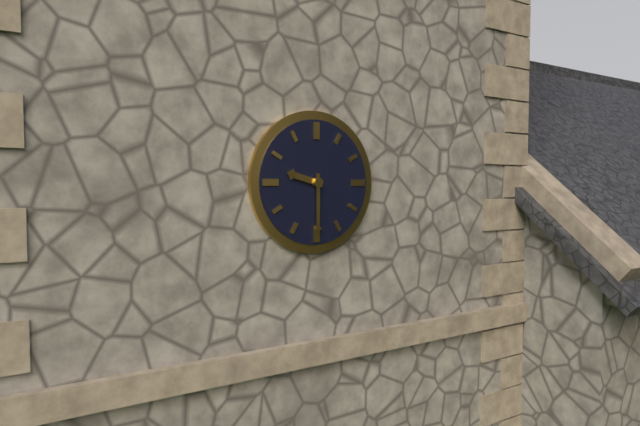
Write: 9,30
